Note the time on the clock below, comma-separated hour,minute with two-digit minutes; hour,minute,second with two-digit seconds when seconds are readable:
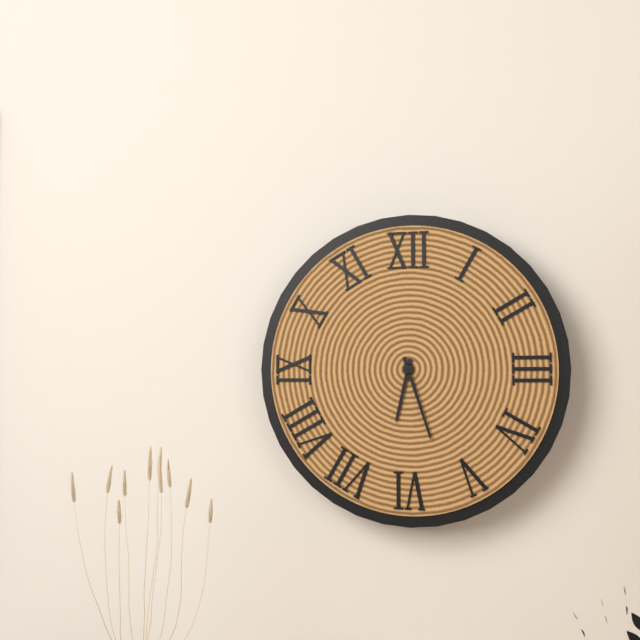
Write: 6,27
